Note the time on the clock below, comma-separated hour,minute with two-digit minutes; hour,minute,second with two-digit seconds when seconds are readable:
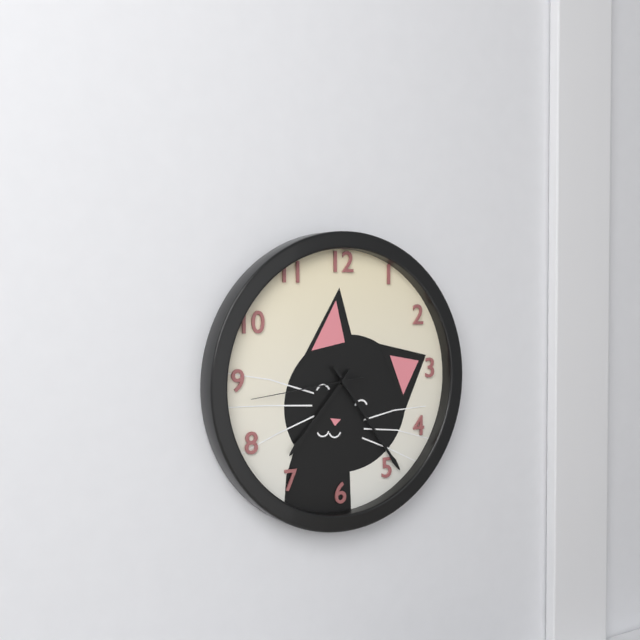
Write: 7,24,44
